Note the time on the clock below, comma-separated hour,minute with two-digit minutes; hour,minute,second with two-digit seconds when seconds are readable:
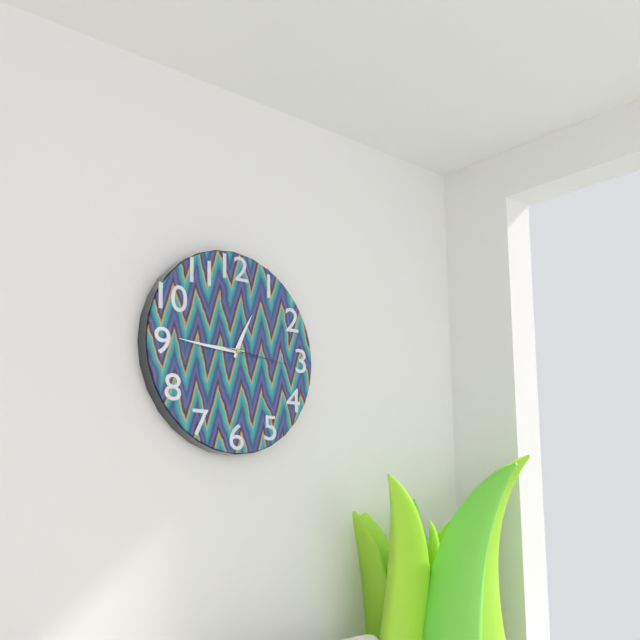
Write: 12,45,16
